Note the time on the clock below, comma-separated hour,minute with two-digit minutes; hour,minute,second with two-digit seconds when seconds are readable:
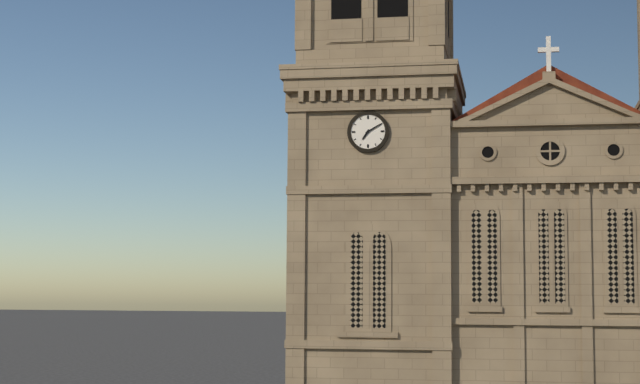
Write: 7,10
